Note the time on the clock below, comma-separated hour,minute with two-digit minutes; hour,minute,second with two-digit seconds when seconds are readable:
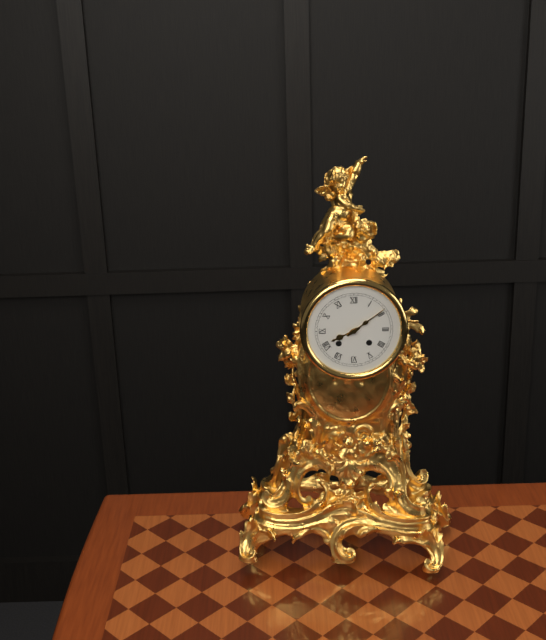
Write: 8,09
